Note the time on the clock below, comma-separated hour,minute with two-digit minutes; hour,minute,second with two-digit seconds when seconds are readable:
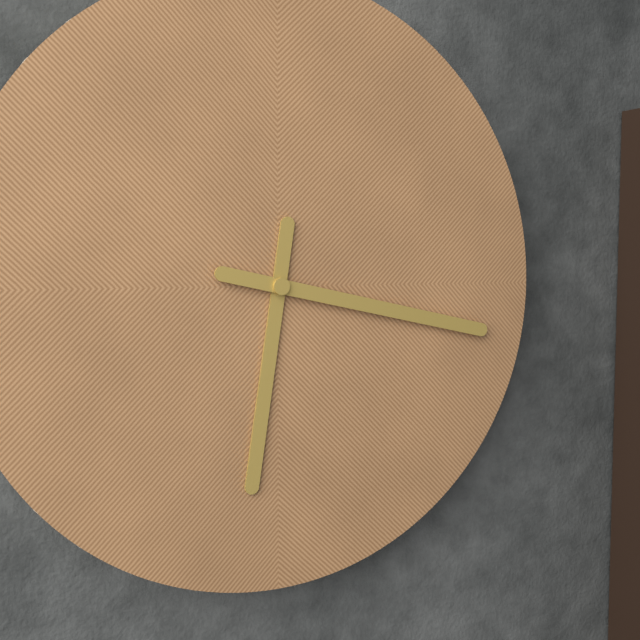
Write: 6,17
